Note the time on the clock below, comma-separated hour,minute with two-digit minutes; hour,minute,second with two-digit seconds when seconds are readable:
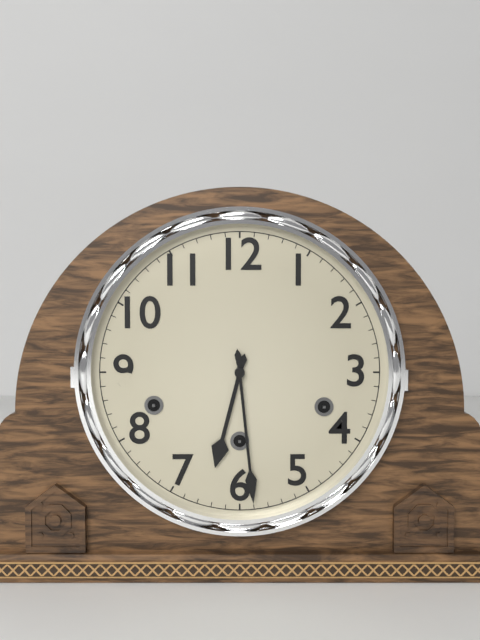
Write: 6,29
